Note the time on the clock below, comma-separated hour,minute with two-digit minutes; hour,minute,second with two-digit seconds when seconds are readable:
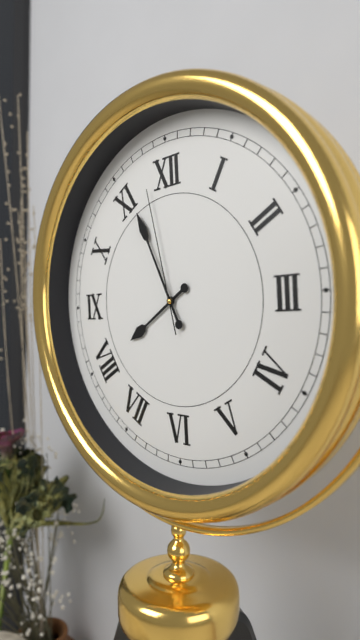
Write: 7,56,58
